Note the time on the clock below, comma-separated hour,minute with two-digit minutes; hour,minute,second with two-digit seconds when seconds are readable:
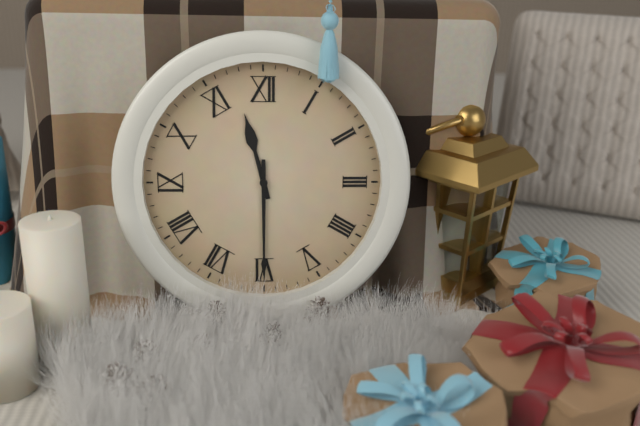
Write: 11,30
